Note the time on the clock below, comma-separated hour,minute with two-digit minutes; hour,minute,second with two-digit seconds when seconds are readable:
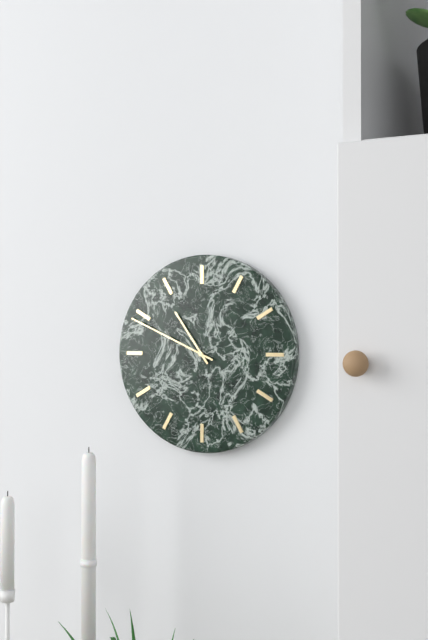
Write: 10,49
